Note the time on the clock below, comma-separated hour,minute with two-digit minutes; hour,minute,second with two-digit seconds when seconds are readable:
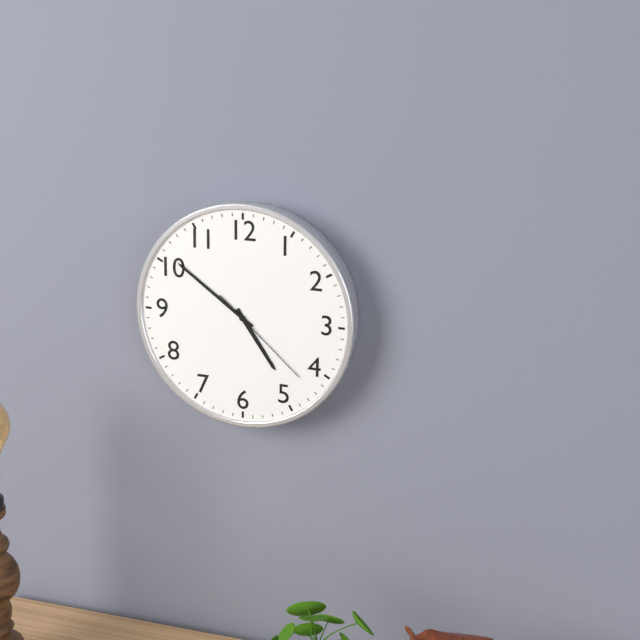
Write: 4,51,22
